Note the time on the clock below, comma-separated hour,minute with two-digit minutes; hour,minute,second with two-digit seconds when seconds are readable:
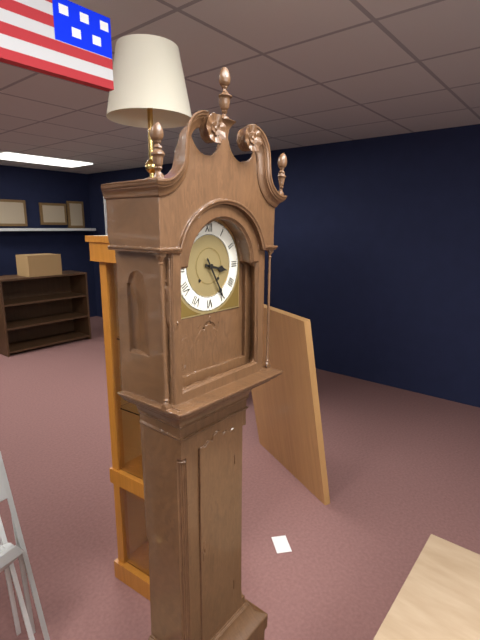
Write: 3,25
